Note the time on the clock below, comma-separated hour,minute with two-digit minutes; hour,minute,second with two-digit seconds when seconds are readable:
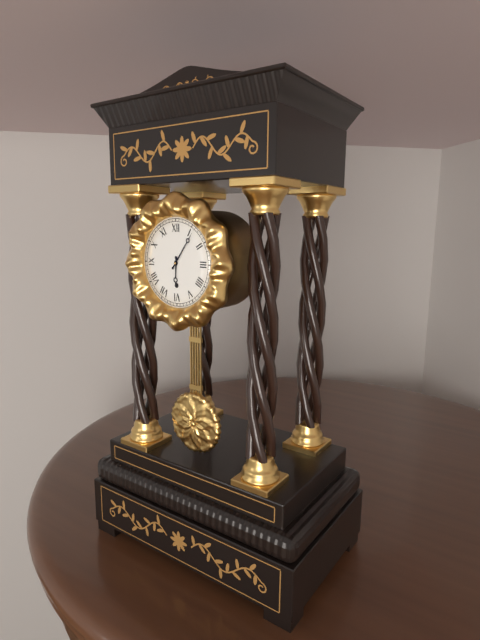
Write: 6,06
